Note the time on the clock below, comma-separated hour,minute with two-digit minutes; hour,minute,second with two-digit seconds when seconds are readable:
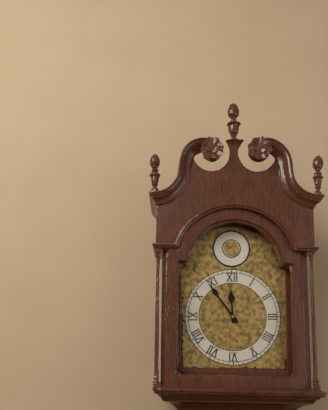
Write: 11,54
